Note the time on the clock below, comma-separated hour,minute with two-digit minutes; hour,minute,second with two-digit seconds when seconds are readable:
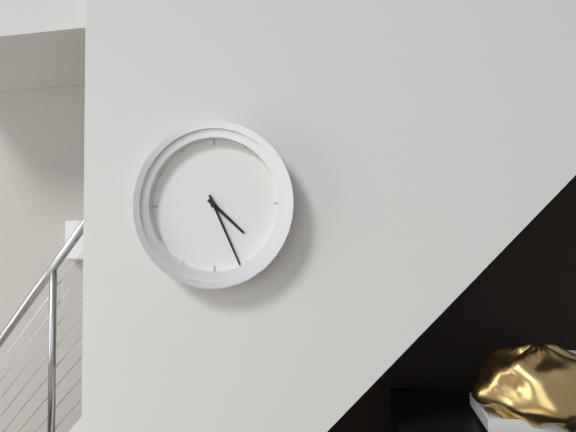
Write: 4,26
